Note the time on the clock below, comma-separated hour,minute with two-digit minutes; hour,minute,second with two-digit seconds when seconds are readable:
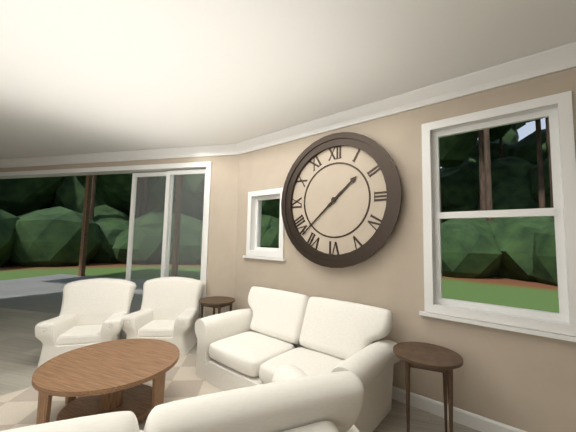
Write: 1,38
